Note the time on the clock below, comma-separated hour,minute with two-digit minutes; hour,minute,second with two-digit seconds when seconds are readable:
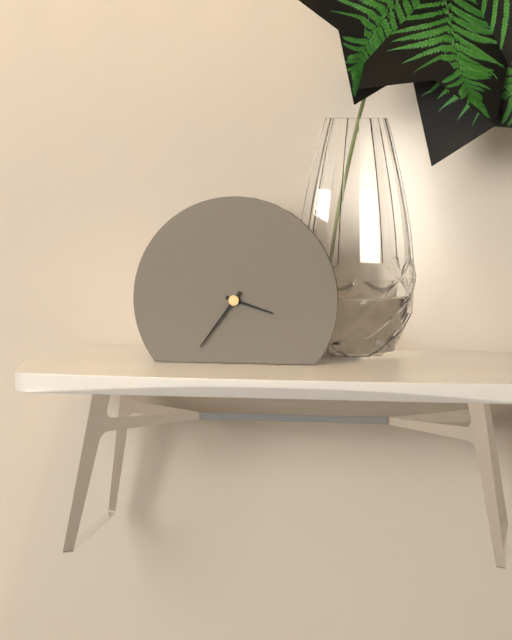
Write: 3,36
